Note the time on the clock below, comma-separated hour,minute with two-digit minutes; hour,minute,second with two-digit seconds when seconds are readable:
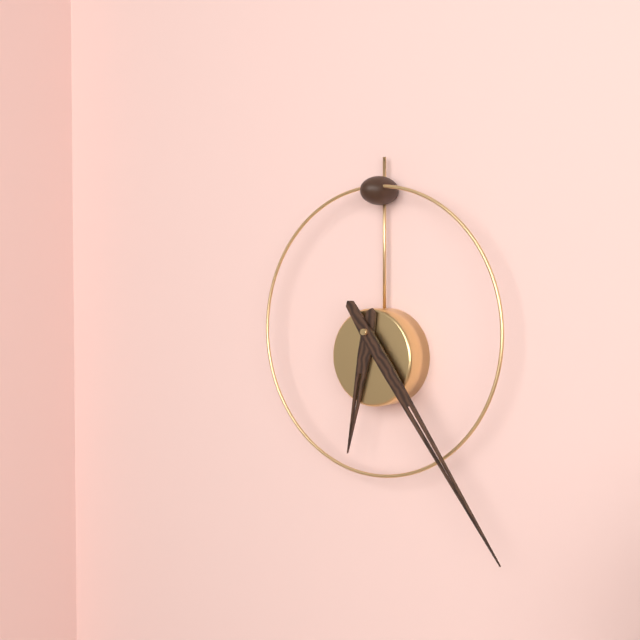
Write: 6,24
